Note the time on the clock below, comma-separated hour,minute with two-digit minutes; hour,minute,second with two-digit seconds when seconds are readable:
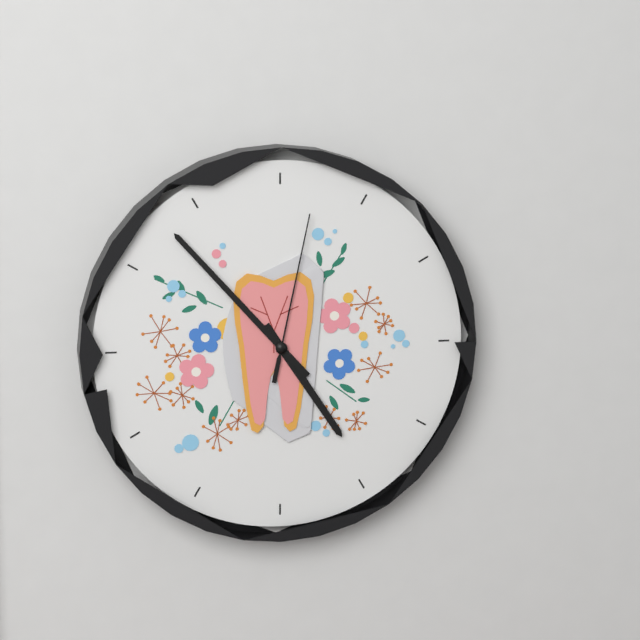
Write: 4,53,02
